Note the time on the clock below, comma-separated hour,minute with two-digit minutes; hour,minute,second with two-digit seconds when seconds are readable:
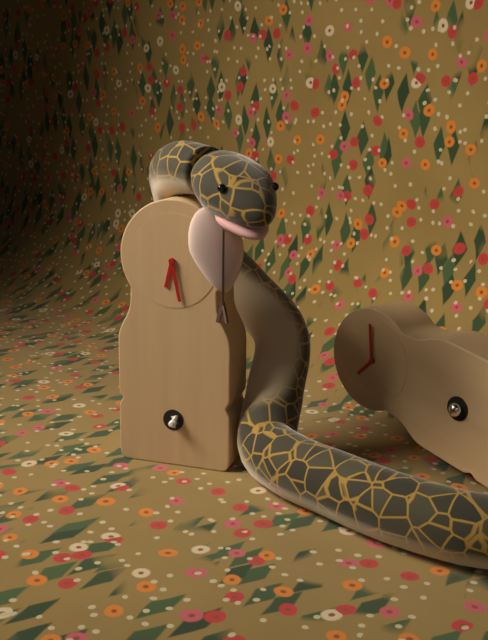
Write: 6,28
